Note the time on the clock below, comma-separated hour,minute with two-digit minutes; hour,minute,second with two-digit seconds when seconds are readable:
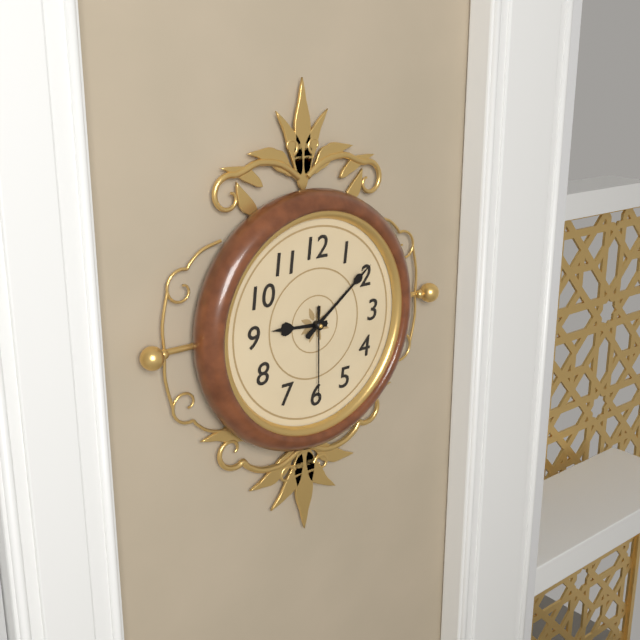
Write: 9,09,30
